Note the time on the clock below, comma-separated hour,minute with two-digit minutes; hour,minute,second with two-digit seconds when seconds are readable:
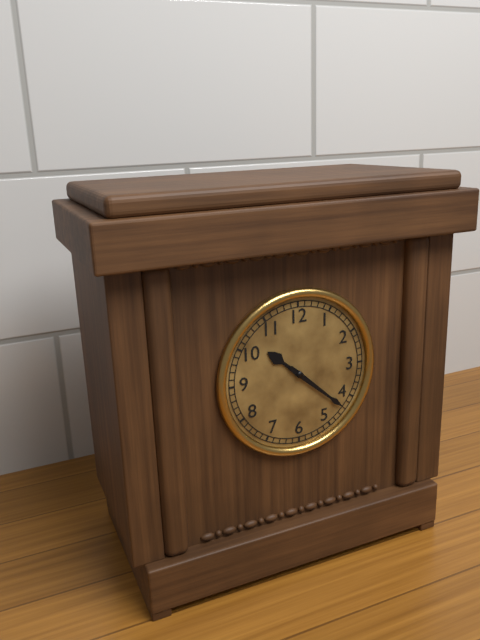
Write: 10,22
